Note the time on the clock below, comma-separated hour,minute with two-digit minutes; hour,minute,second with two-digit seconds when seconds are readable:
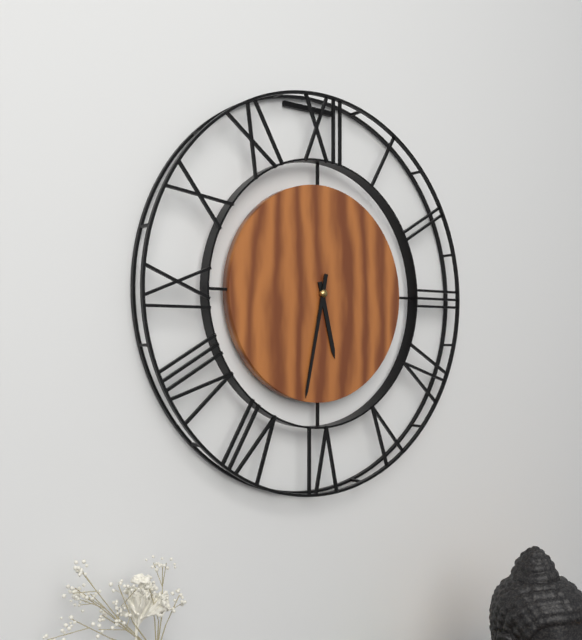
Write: 5,32
